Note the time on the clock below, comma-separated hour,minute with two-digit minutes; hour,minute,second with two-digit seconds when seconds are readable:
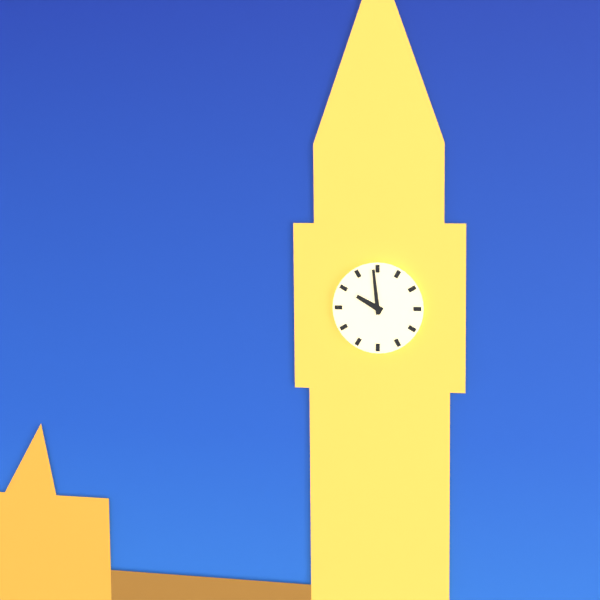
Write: 9,59
